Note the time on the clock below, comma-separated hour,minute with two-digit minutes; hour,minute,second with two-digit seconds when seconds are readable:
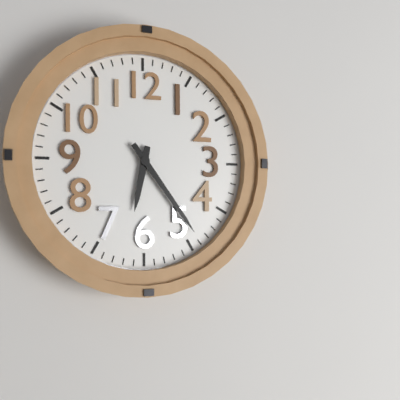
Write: 6,24
